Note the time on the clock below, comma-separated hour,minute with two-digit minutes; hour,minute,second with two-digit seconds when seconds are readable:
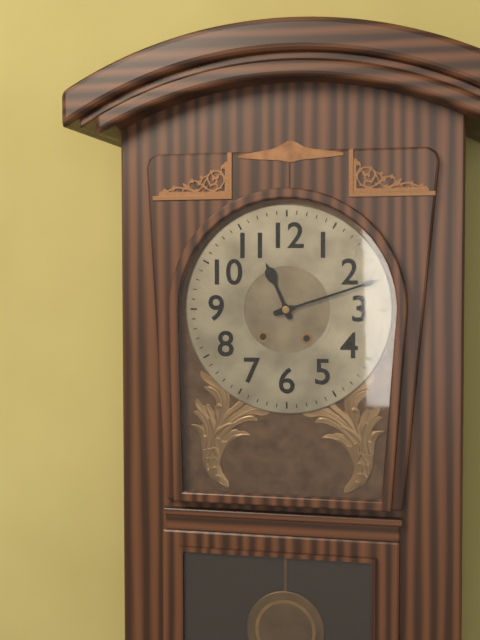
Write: 11,12
